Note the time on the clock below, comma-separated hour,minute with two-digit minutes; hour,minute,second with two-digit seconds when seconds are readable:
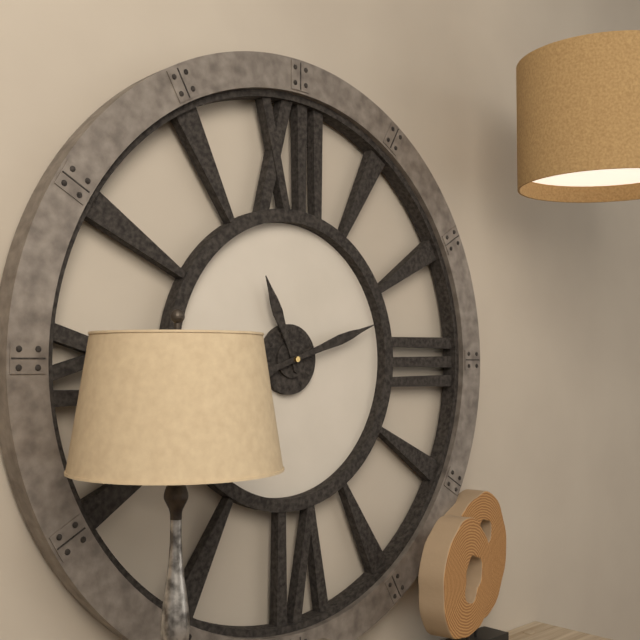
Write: 11,12
